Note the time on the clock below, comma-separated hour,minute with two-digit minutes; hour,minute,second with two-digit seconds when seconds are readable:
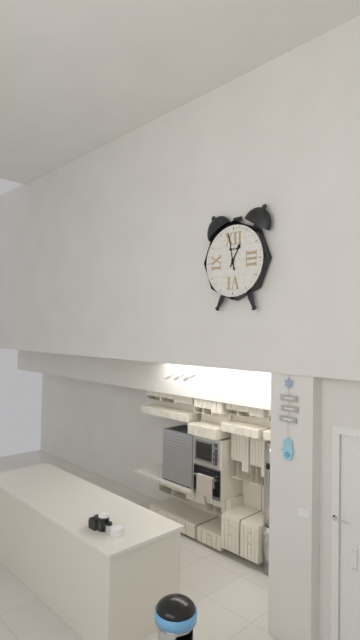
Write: 12,58
